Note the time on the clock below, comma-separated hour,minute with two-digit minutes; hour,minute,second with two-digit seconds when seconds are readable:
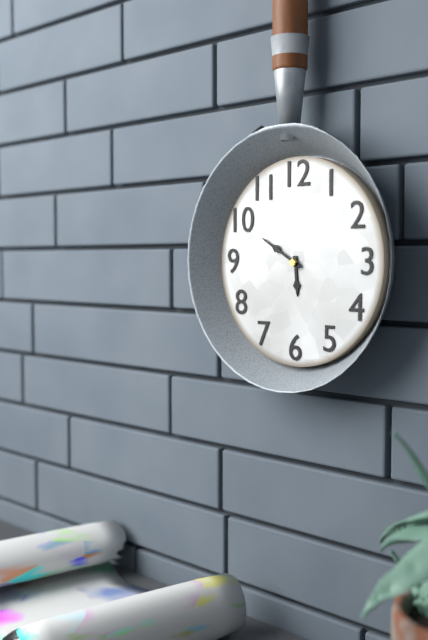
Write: 5,50
